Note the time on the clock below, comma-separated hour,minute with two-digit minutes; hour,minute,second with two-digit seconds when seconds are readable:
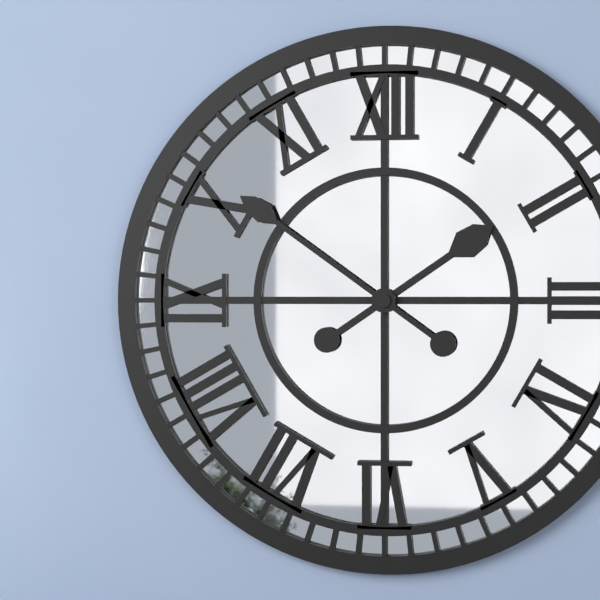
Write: 1,51
